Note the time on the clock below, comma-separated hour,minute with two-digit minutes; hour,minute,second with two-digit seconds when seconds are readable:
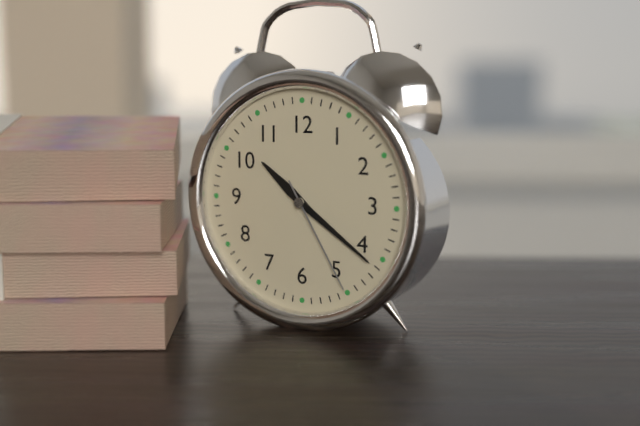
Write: 10,21,25
